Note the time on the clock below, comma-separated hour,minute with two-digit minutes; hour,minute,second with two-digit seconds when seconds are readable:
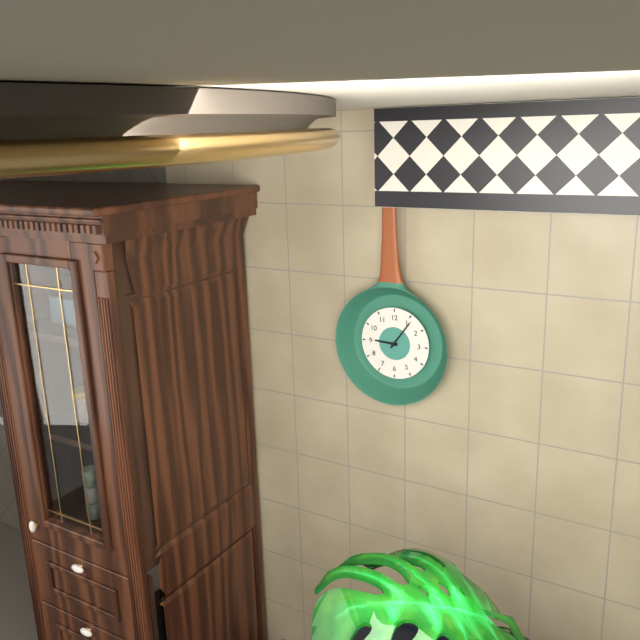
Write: 9,06
